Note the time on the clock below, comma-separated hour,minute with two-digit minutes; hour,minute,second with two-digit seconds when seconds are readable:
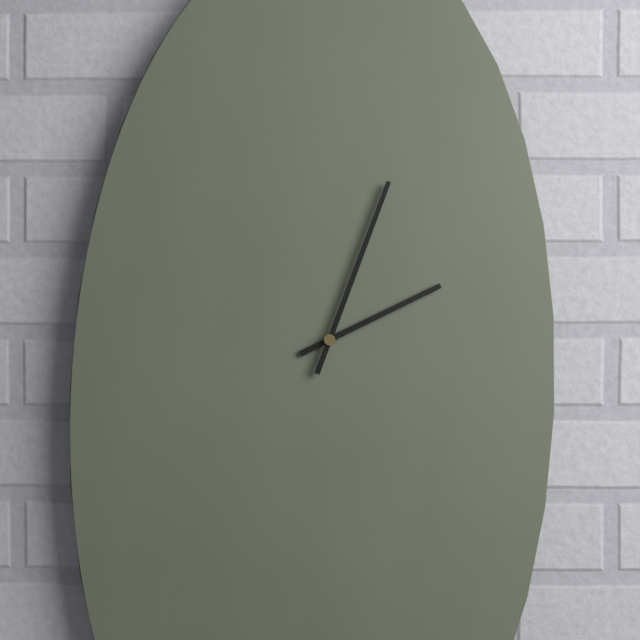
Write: 2,03
